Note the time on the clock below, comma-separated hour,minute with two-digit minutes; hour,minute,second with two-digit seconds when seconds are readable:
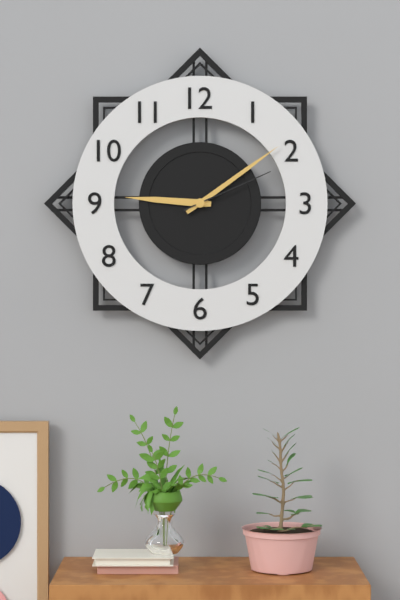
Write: 9,09,11
